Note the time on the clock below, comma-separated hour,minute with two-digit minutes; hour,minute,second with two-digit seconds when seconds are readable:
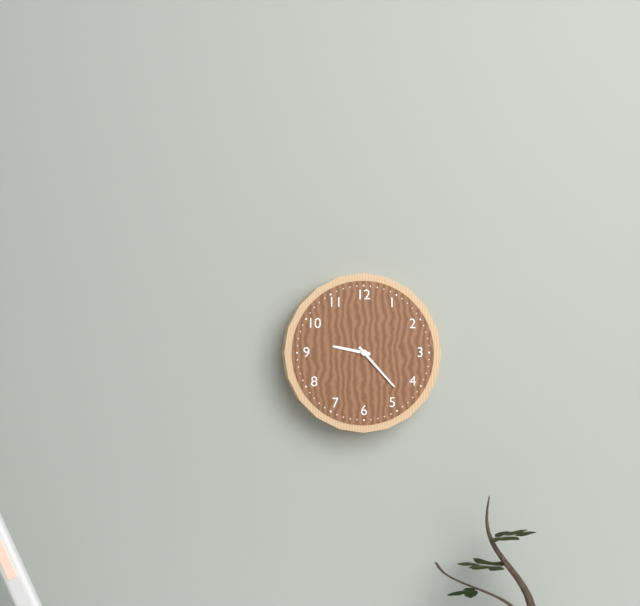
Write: 9,23
